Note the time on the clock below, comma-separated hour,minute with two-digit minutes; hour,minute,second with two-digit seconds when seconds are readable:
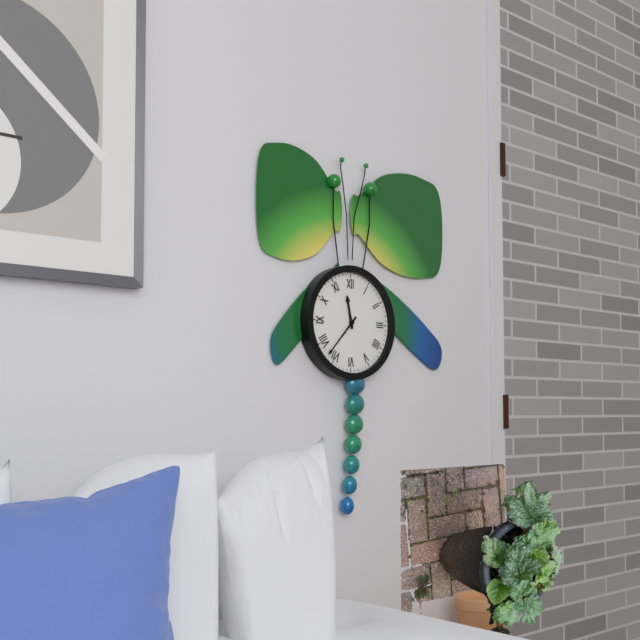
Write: 11,37
